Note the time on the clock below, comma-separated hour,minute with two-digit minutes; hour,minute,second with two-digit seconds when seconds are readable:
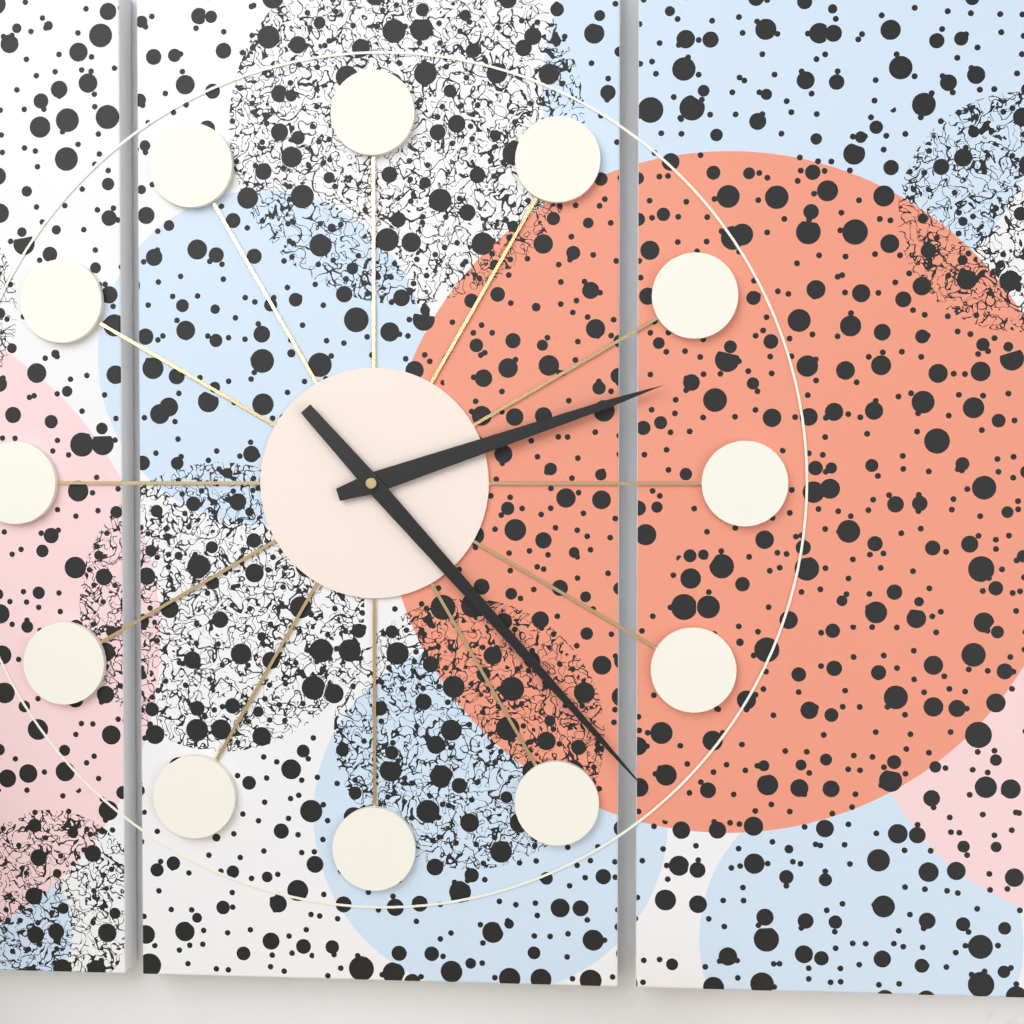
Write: 2,23
